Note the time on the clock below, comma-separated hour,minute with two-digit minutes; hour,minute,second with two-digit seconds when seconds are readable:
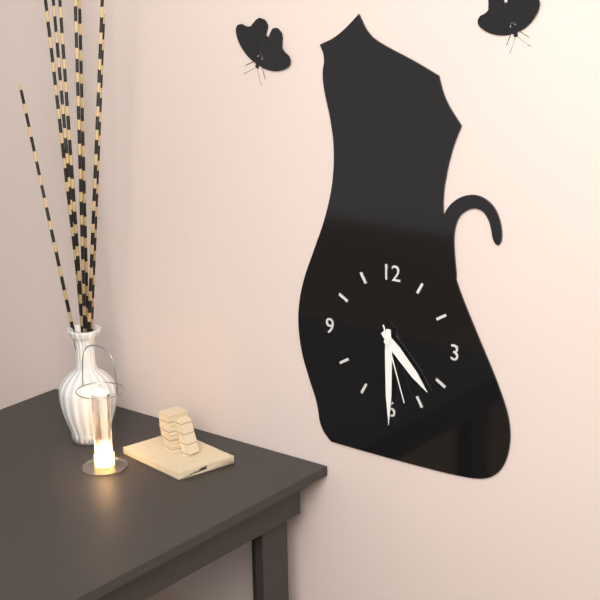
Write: 4,30,27
